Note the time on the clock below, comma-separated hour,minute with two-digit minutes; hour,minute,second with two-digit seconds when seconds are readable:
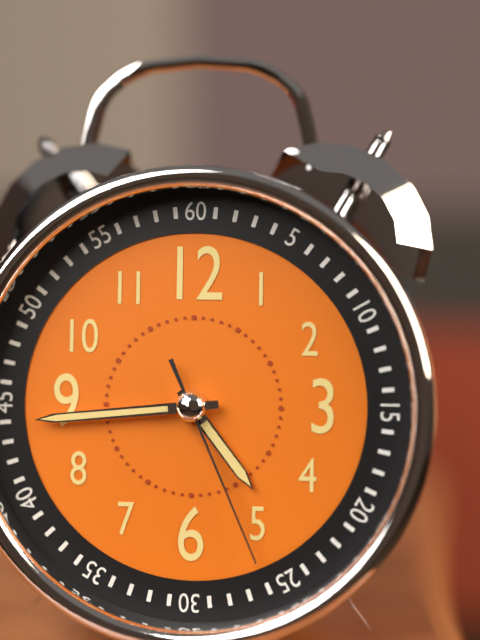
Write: 4,44,26
